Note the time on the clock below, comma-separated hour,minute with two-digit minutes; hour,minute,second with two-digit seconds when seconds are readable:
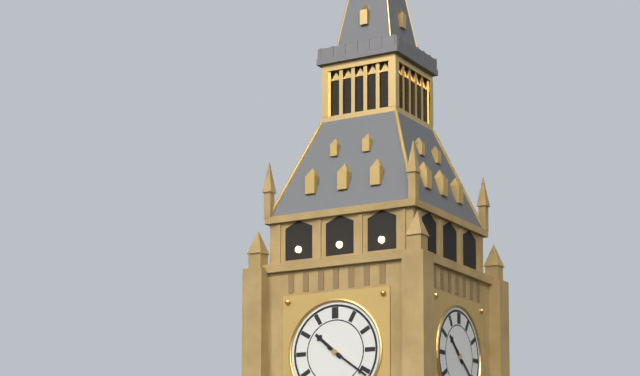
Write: 10,21
